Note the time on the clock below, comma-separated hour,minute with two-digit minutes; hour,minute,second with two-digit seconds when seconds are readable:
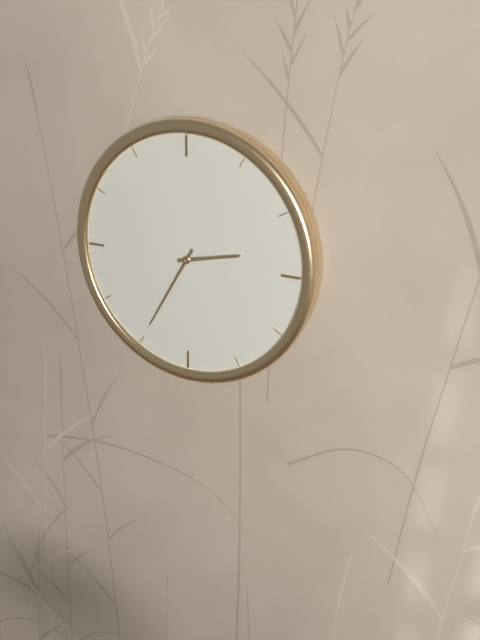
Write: 2,35
